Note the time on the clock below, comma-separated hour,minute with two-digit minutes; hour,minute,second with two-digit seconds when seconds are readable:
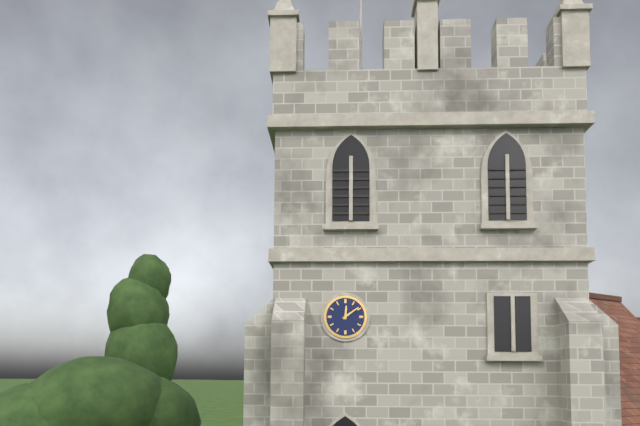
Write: 12,09
